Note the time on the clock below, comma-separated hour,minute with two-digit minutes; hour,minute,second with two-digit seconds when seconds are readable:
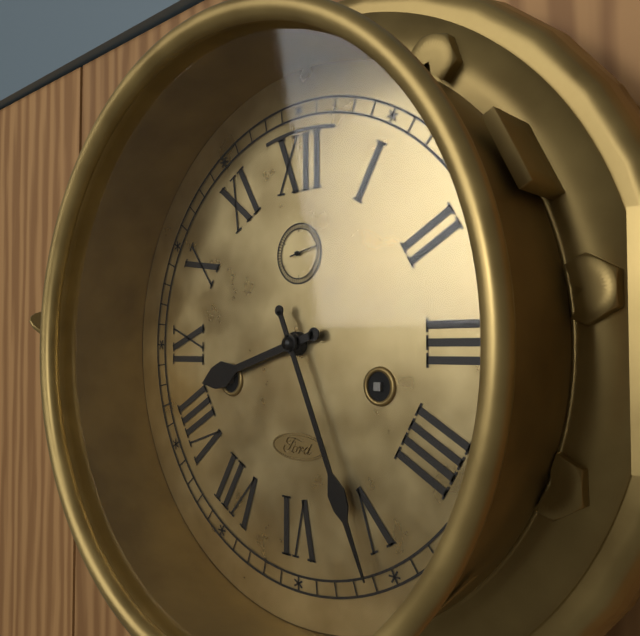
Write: 8,26
